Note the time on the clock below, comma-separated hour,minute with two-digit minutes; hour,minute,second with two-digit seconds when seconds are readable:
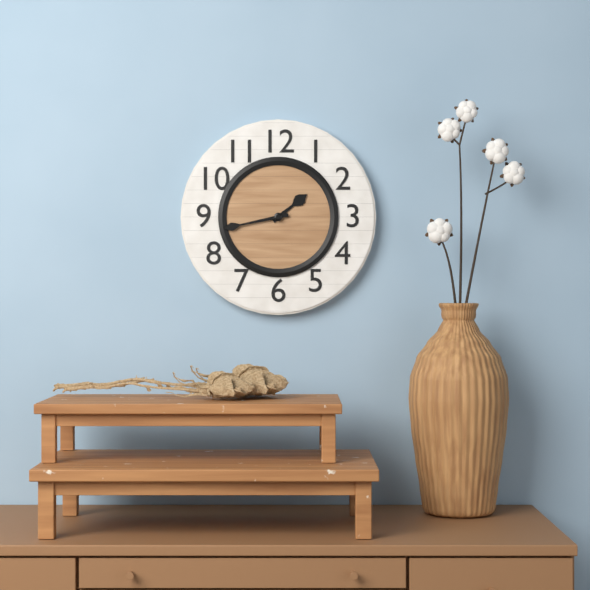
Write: 1,43
